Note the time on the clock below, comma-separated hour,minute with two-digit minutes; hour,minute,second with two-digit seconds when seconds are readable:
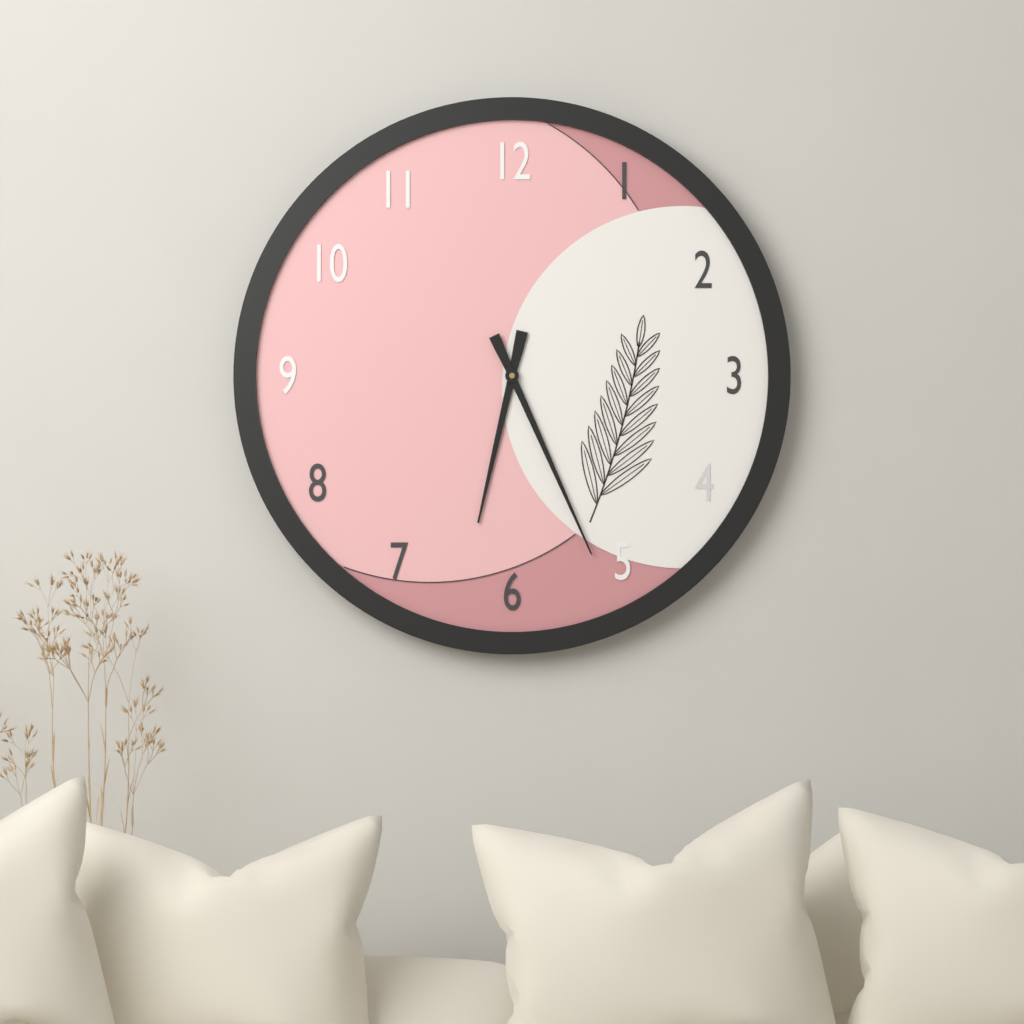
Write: 6,26
